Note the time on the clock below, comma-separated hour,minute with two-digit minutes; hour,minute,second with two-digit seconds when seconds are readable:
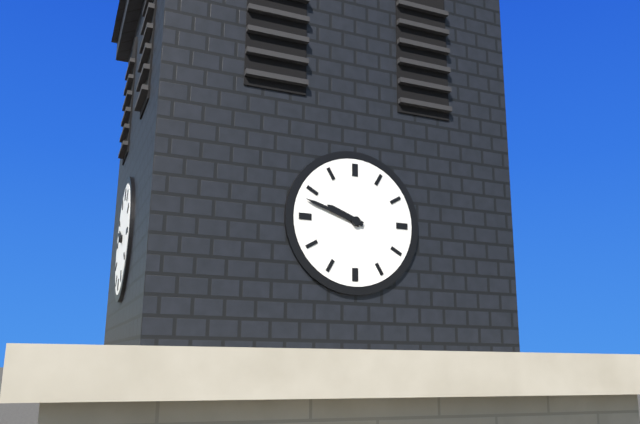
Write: 9,48
